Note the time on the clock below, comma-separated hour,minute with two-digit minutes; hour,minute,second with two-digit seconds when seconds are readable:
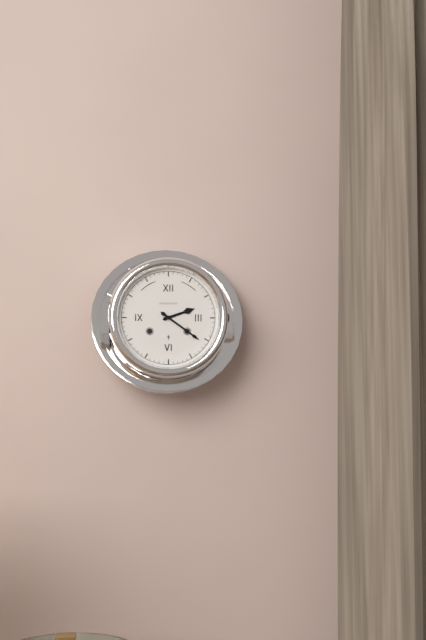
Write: 2,21
